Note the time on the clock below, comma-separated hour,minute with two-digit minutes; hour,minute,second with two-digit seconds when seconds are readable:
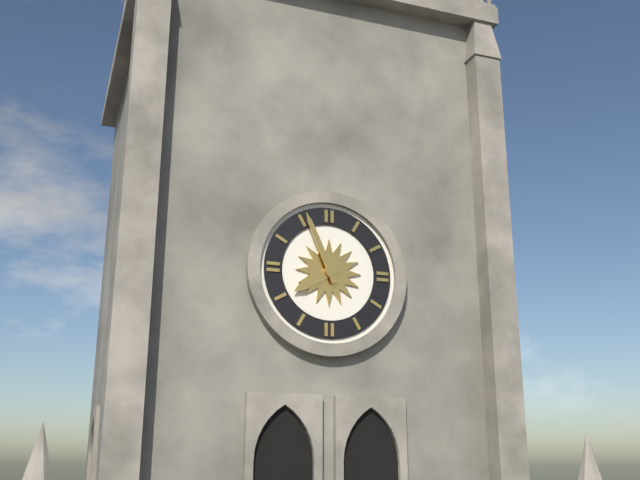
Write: 7,56
